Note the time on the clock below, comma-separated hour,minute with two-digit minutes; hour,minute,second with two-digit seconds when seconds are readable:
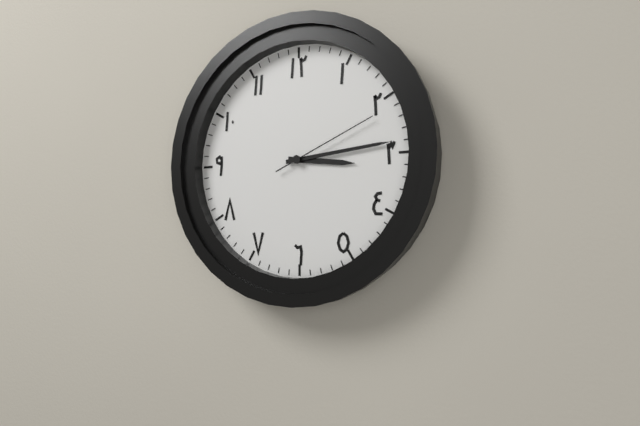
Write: 3,14,11
